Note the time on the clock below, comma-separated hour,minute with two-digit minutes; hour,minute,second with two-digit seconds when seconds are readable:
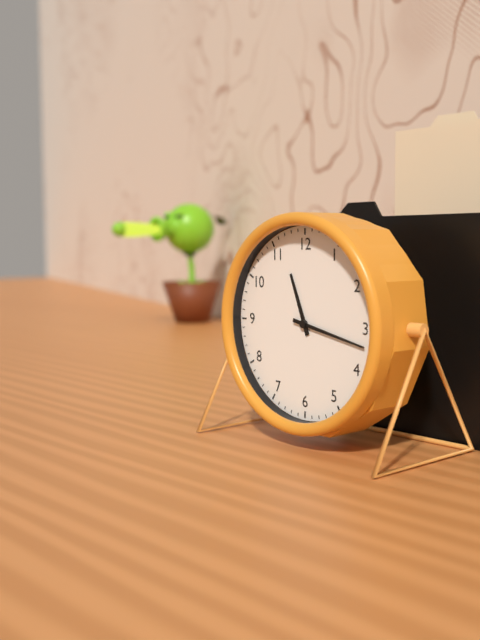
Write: 11,17
